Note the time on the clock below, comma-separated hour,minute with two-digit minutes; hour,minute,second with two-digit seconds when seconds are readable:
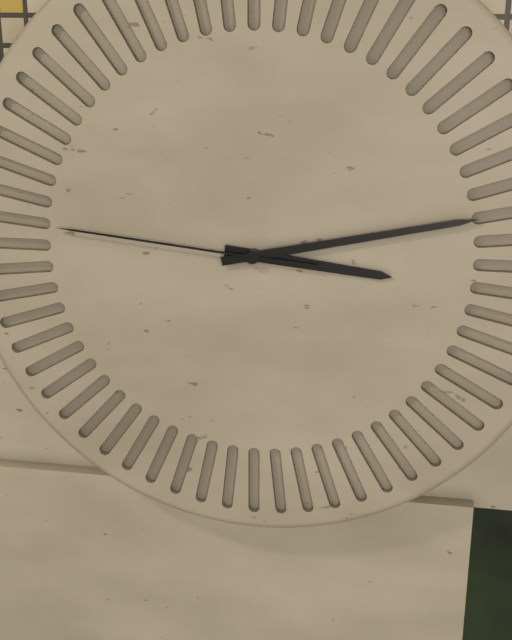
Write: 3,13,46
